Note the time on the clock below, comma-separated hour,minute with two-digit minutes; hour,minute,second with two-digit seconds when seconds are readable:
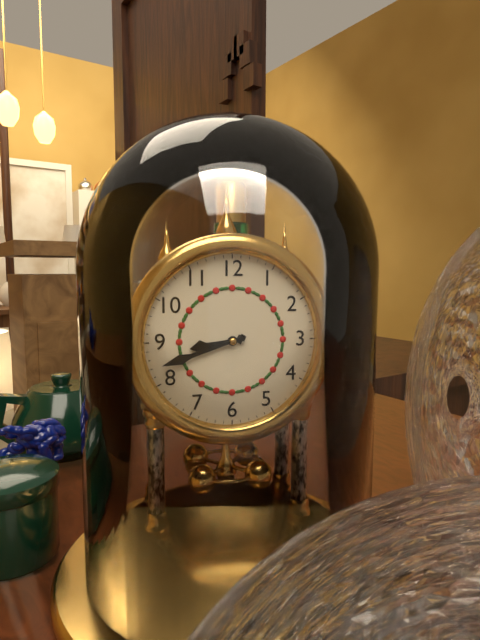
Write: 8,42
